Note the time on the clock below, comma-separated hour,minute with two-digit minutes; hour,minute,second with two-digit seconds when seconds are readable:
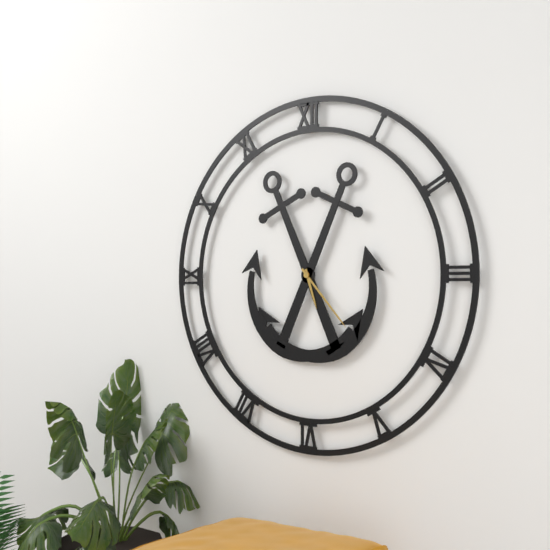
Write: 5,23
